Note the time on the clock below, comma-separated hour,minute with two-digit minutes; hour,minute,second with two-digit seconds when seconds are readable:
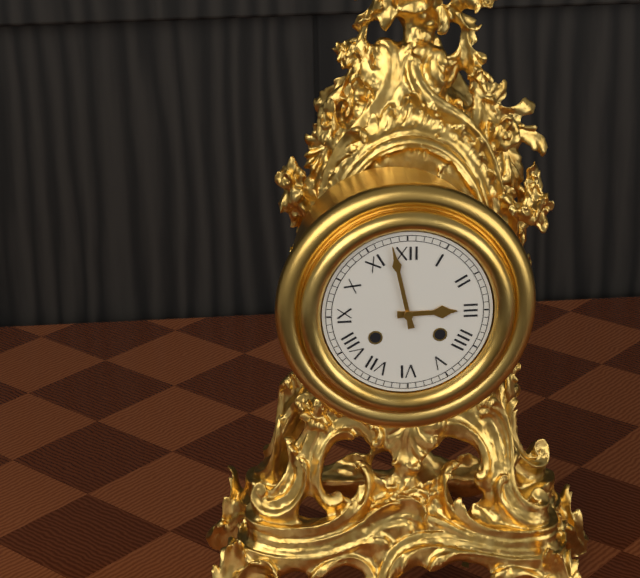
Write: 2,58
